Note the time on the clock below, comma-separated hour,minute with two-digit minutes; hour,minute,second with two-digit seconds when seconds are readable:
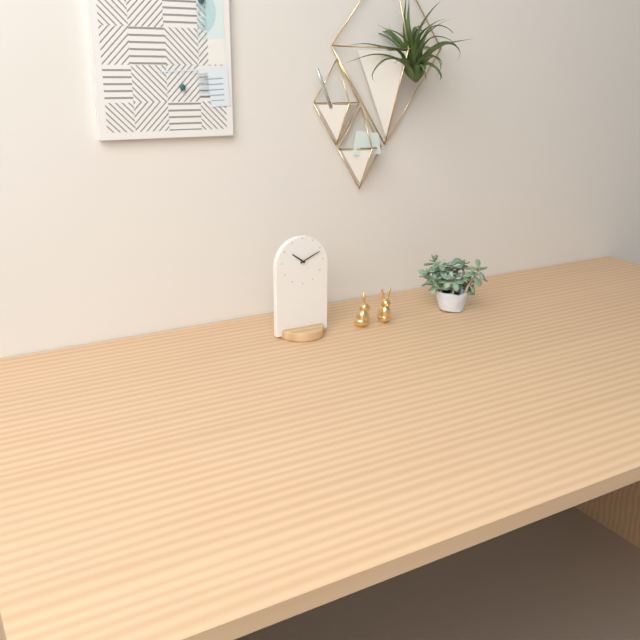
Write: 10,11
